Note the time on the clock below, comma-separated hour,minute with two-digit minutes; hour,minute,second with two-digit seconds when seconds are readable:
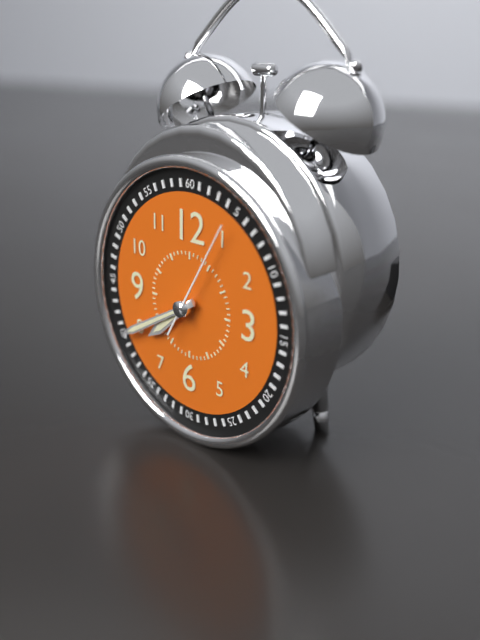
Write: 7,40,05
